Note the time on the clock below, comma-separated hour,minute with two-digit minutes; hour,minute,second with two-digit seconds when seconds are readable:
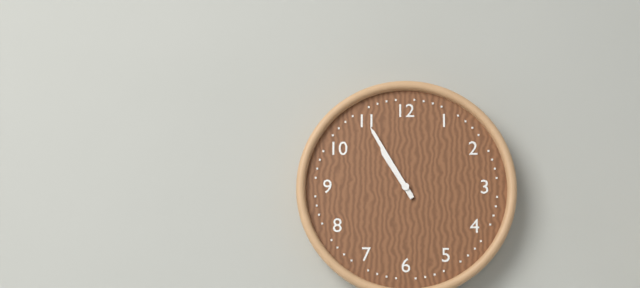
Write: 10,55
